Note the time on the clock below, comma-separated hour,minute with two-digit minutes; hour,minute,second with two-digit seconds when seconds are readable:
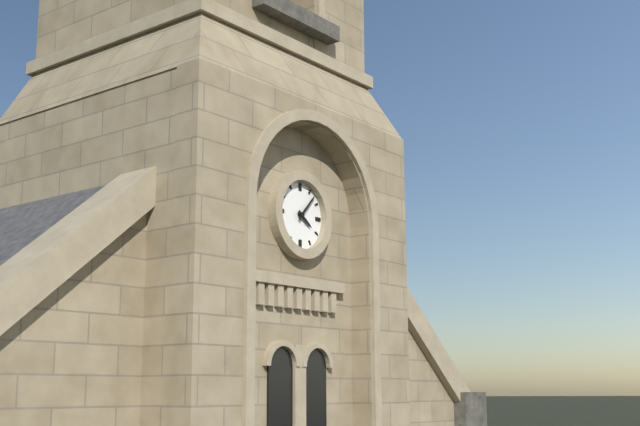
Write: 4,07
